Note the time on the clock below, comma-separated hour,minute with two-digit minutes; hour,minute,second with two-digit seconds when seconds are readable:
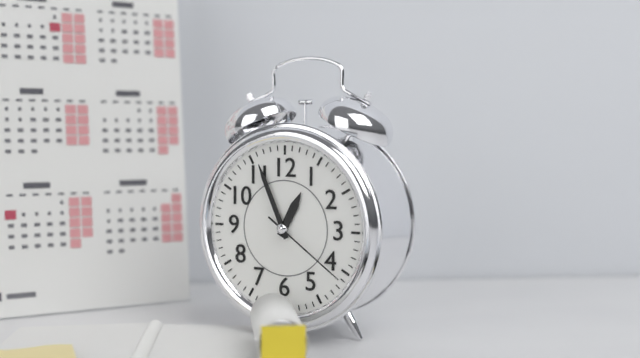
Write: 12,56,21
